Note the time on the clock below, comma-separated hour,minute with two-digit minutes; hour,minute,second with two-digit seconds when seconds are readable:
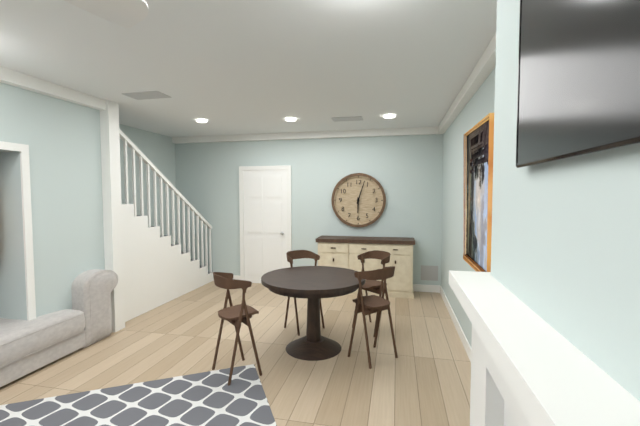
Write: 6,03
